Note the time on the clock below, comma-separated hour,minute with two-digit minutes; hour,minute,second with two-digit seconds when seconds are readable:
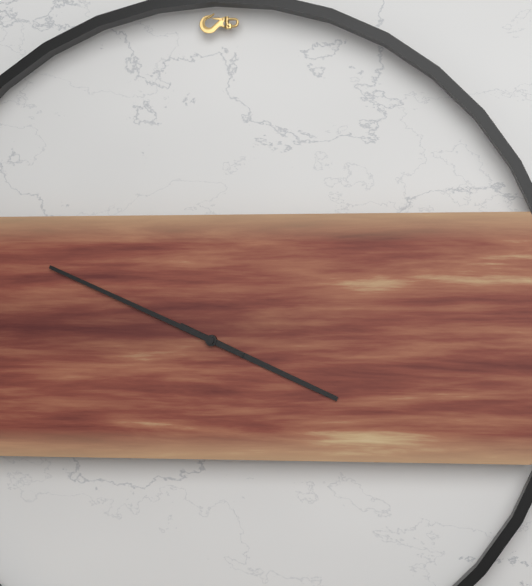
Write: 3,49
